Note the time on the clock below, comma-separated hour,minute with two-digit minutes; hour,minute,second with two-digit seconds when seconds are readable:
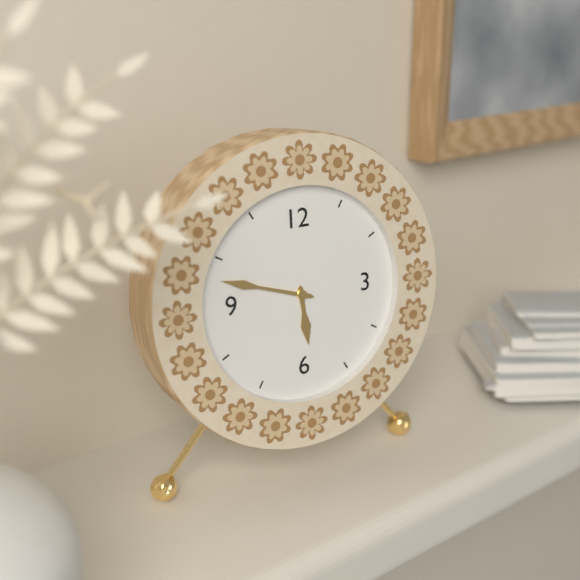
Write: 5,48
